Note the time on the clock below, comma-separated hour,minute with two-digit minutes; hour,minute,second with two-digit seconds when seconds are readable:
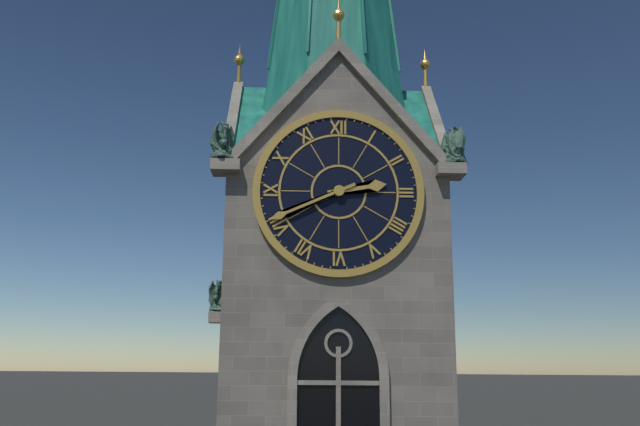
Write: 2,41
